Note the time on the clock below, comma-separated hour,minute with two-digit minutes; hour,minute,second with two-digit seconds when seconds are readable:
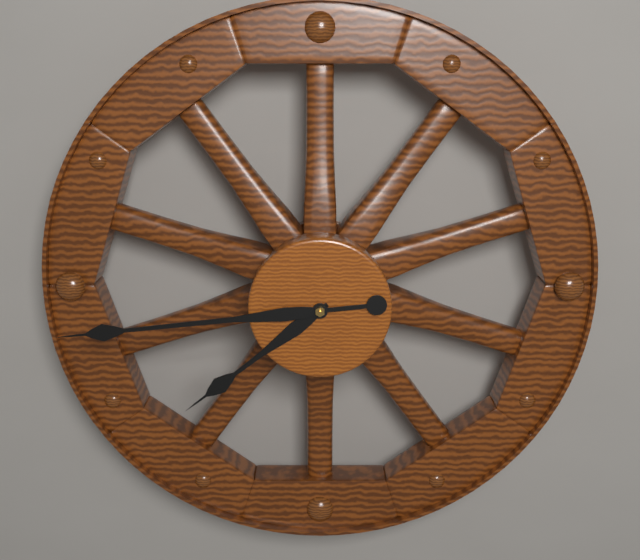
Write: 7,44
